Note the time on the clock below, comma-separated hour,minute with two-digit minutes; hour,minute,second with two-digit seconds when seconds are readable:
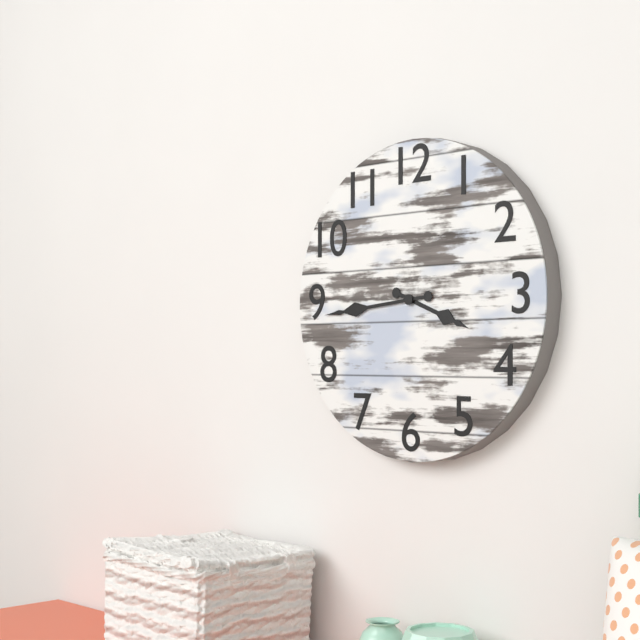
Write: 3,44
